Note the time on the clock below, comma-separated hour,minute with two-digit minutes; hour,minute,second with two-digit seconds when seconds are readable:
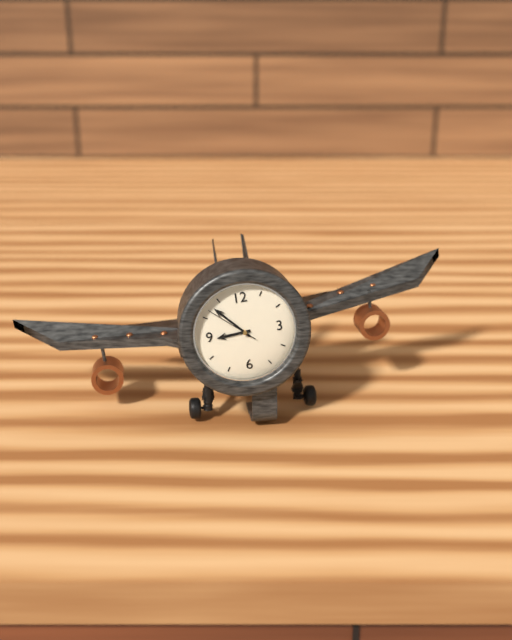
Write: 8,53
